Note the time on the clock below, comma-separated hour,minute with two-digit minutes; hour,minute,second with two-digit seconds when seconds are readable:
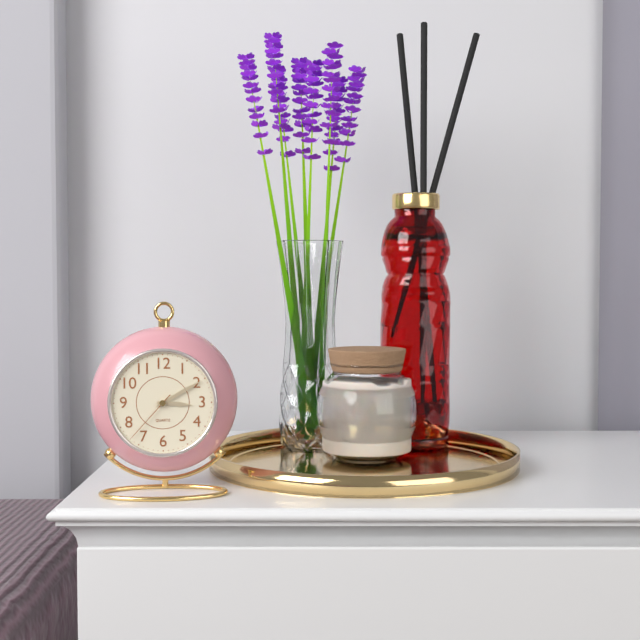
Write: 3,10,37
